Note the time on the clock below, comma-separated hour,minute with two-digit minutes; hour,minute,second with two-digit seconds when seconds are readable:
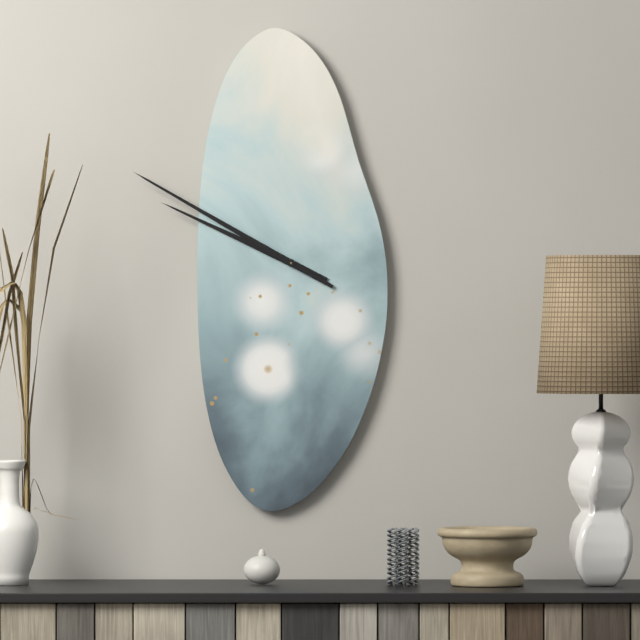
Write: 9,50
